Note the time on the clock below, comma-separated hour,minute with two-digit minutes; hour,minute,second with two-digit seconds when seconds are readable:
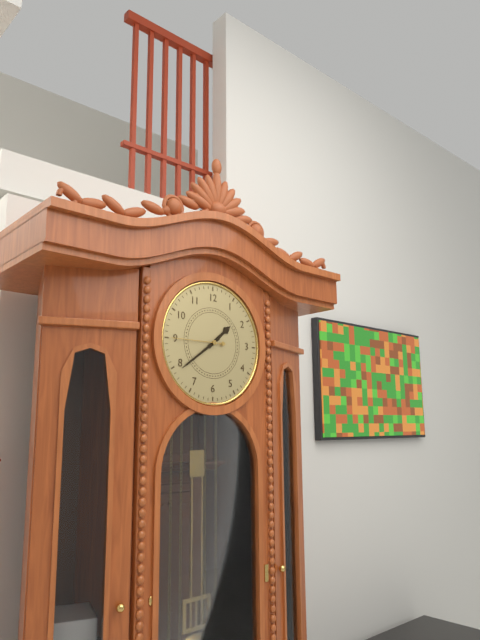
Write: 1,39
